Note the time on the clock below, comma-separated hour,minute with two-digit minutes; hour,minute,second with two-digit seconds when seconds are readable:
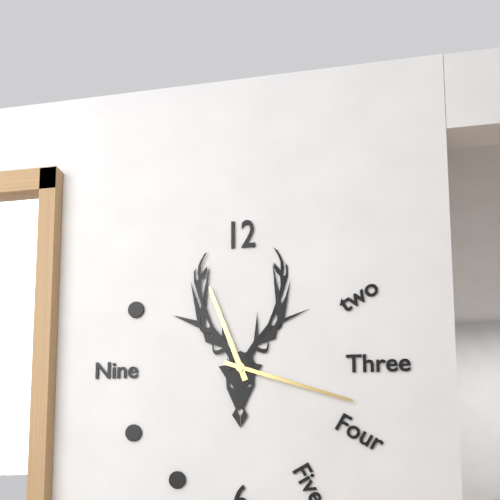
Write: 11,18
